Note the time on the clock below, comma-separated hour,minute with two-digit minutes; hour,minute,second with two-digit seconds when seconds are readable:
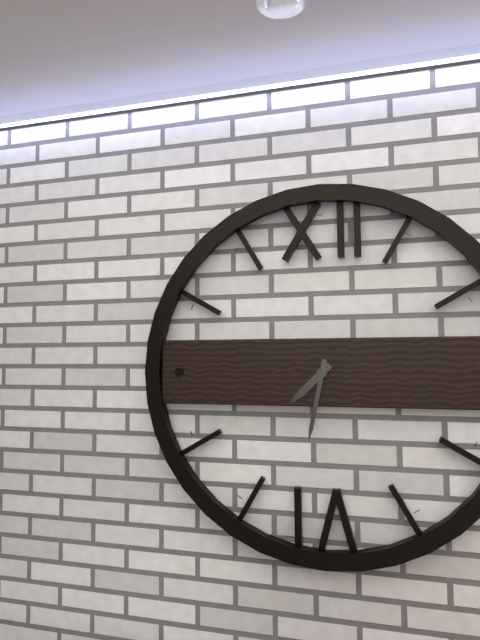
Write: 7,32
